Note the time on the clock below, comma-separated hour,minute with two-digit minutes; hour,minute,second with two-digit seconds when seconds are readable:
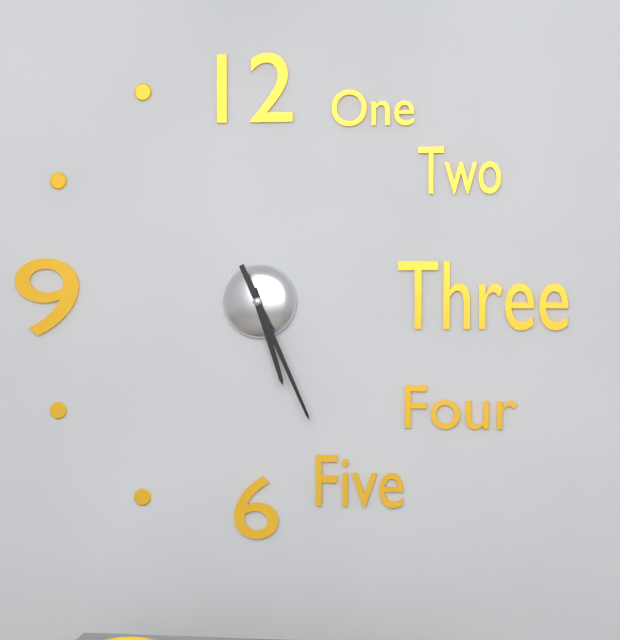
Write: 5,26
